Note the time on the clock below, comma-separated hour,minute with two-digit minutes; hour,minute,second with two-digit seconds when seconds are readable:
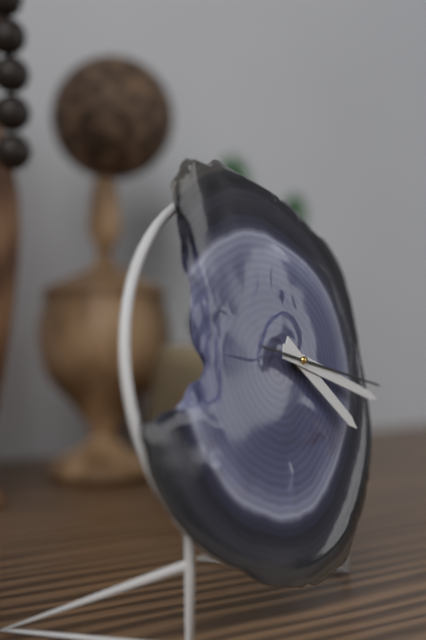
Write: 4,18,17
